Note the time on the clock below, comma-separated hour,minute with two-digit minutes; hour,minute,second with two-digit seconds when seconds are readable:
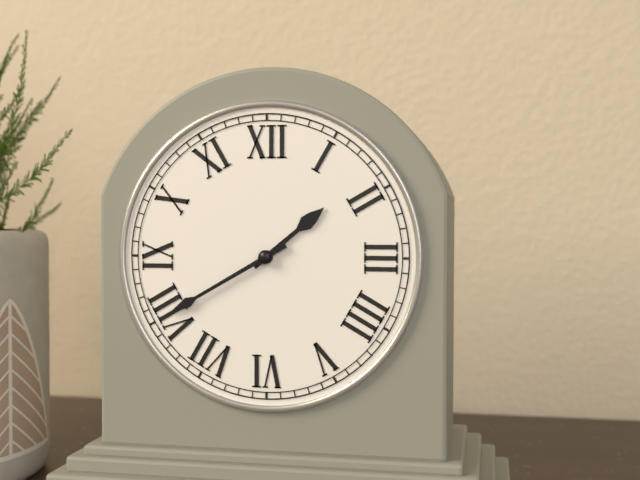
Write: 1,40
